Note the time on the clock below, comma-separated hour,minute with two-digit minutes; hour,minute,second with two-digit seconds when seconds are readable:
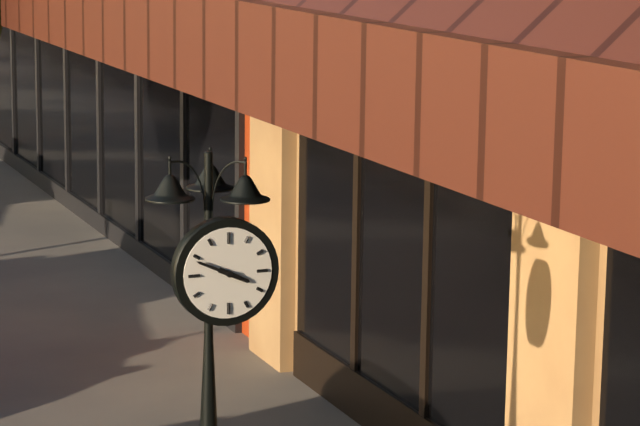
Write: 3,49
